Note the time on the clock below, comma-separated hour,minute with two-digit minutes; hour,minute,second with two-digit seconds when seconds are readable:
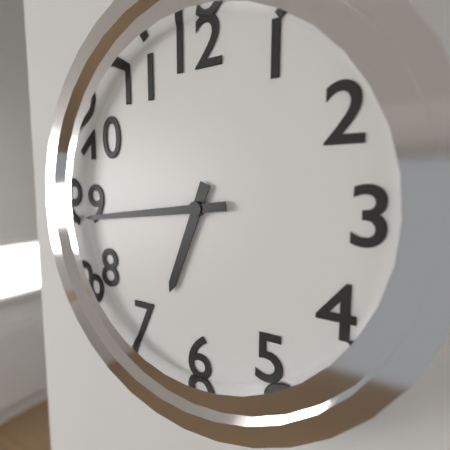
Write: 6,44
